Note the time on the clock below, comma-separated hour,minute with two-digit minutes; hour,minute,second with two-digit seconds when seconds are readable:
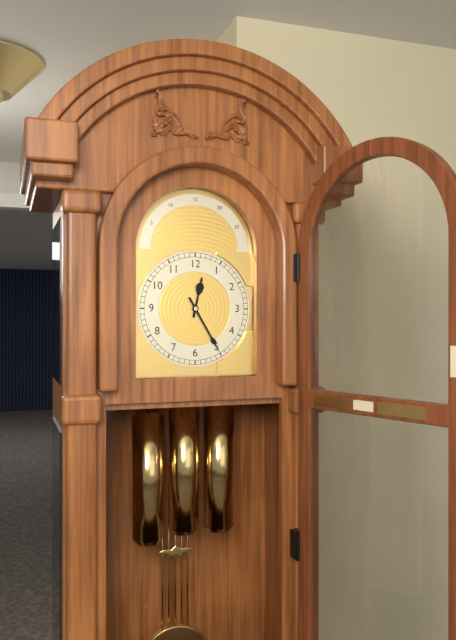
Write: 12,25
